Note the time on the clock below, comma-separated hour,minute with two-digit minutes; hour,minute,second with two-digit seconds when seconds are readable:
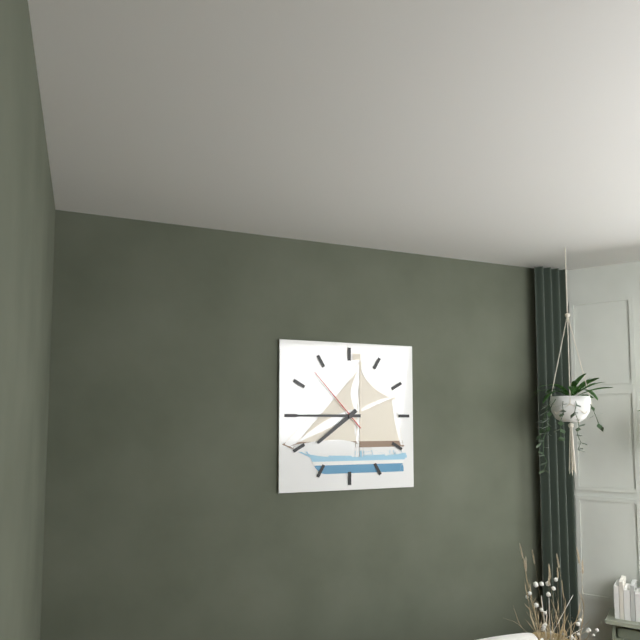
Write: 7,45,53
